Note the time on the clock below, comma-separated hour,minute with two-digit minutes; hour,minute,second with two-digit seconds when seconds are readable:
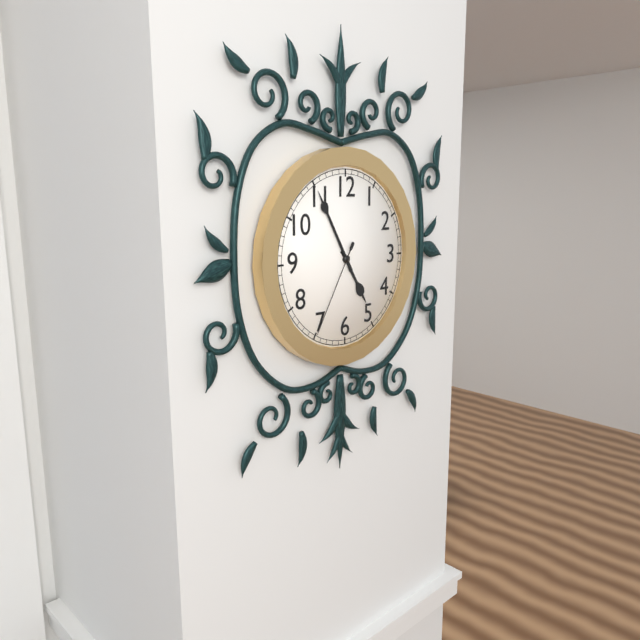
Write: 4,55,35
